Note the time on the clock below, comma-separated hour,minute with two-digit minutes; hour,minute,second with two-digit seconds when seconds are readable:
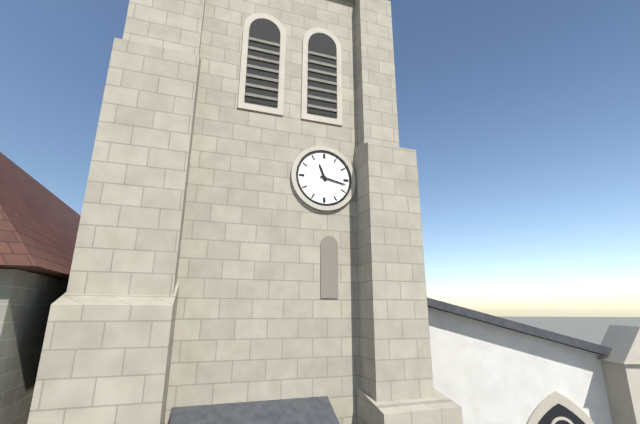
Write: 11,17
